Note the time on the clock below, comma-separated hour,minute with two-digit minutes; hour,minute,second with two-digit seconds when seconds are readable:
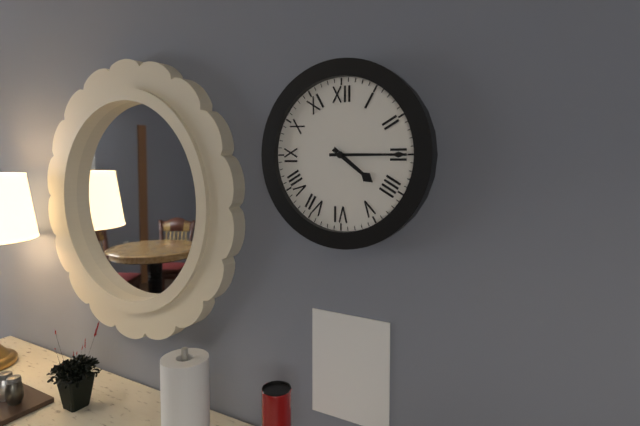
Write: 4,15
